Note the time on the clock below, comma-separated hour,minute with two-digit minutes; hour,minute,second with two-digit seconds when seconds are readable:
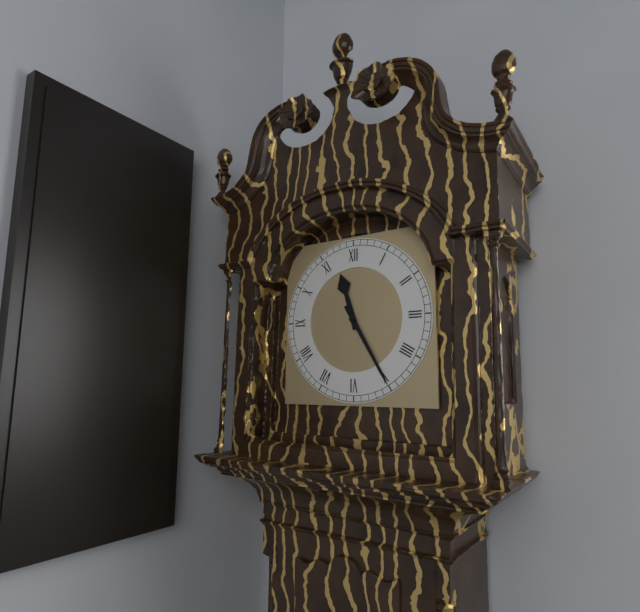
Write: 11,25
